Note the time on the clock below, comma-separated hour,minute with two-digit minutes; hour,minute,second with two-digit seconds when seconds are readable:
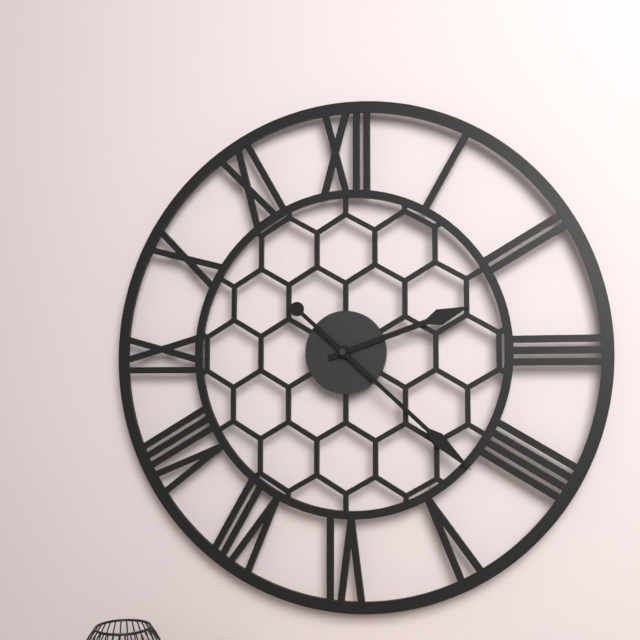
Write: 2,22
